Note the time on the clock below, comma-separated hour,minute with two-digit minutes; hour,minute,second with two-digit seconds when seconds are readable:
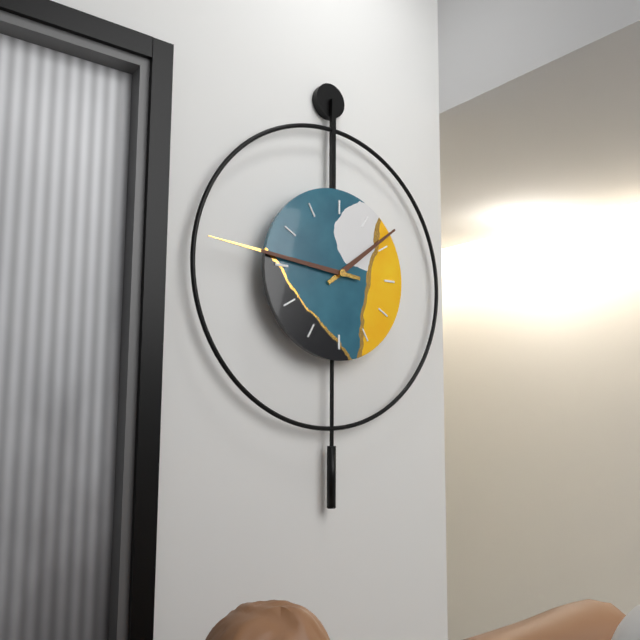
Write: 1,46
